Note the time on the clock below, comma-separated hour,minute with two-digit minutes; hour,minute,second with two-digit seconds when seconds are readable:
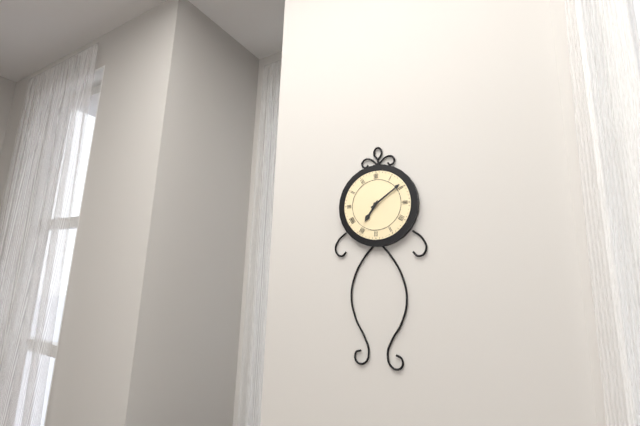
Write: 7,09
